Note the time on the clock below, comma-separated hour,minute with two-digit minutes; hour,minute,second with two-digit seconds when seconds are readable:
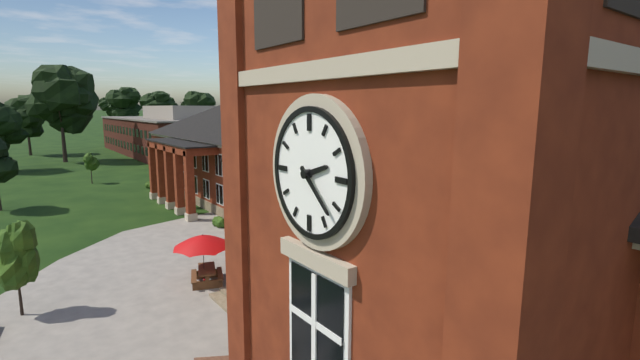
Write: 2,22
